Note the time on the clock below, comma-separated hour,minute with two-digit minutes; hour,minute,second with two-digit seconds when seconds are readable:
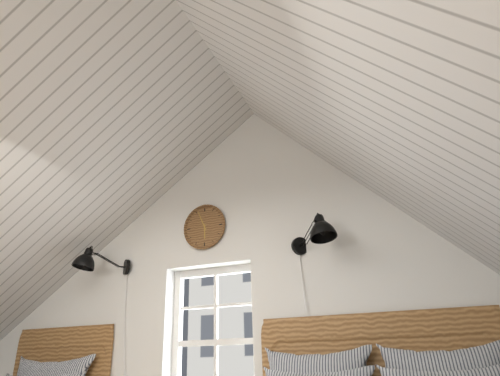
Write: 5,56
